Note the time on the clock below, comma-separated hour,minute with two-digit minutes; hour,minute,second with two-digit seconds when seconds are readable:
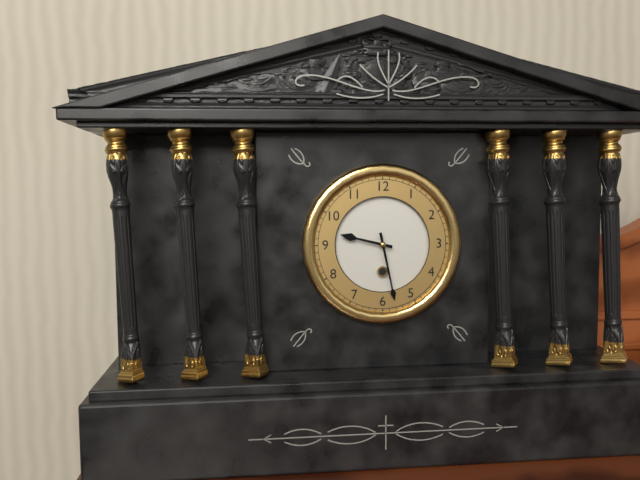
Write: 9,28
